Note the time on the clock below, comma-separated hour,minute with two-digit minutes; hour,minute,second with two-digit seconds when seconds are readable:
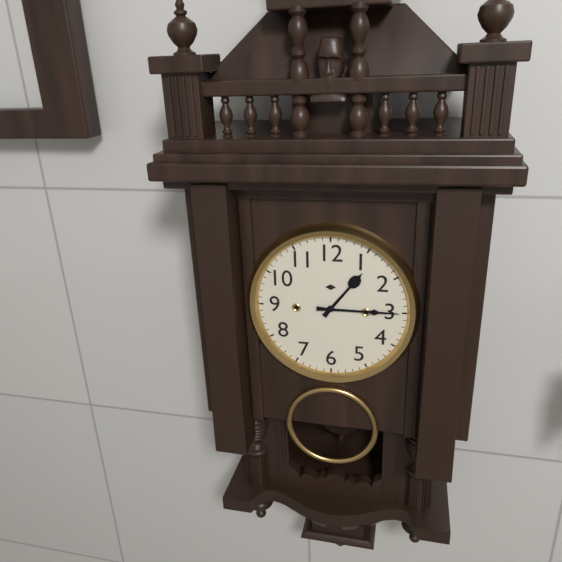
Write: 1,15
